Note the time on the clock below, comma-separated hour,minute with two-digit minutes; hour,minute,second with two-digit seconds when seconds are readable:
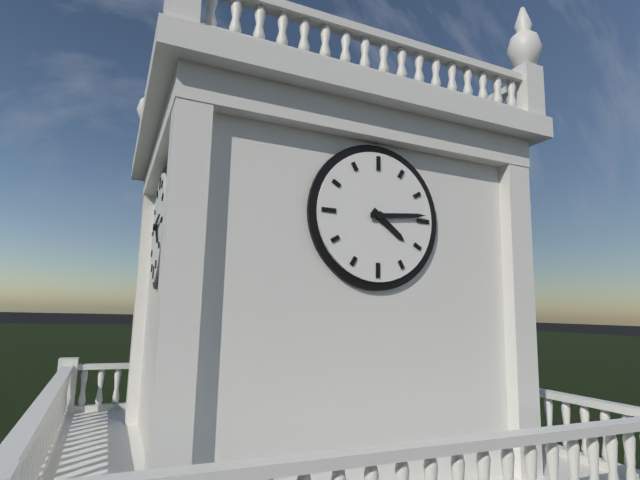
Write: 4,14
